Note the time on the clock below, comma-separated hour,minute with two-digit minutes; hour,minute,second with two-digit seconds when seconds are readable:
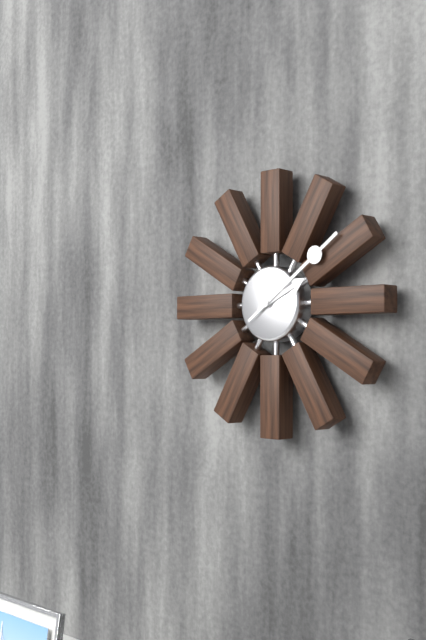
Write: 2,09
